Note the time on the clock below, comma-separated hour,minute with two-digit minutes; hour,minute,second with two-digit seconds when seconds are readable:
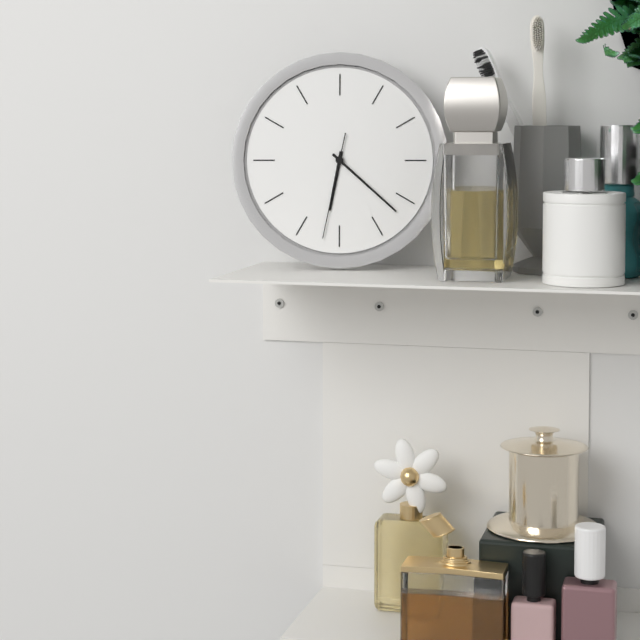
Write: 6,22,32
